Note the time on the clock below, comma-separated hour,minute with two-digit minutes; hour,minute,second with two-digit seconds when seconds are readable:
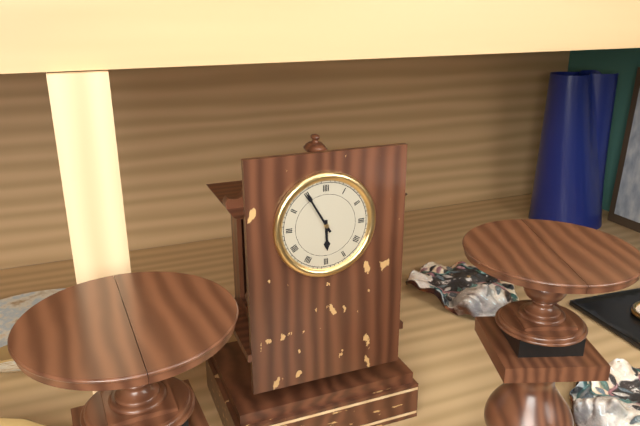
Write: 5,55
